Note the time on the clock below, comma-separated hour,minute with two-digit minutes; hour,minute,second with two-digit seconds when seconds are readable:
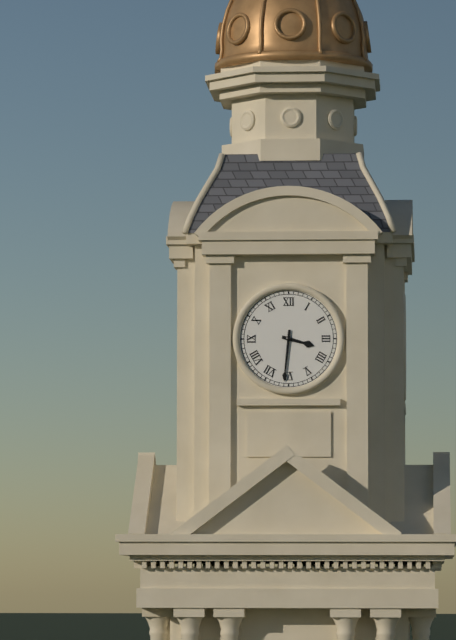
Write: 3,31
